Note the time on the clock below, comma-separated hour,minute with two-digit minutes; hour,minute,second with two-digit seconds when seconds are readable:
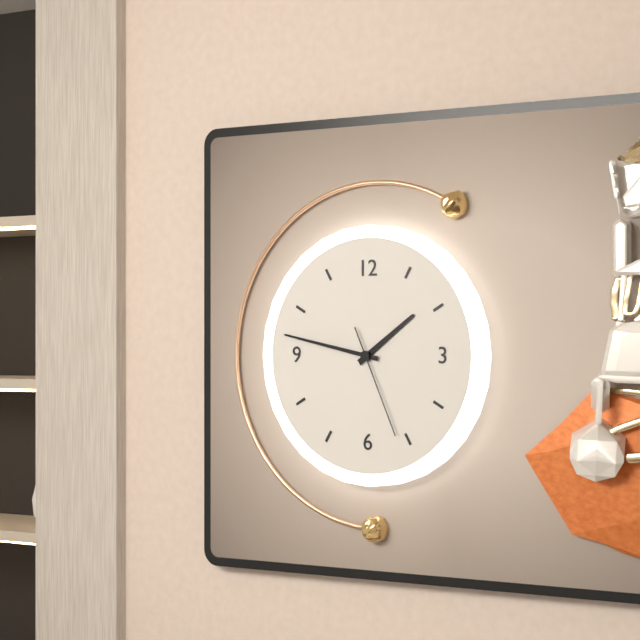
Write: 1,47,26
